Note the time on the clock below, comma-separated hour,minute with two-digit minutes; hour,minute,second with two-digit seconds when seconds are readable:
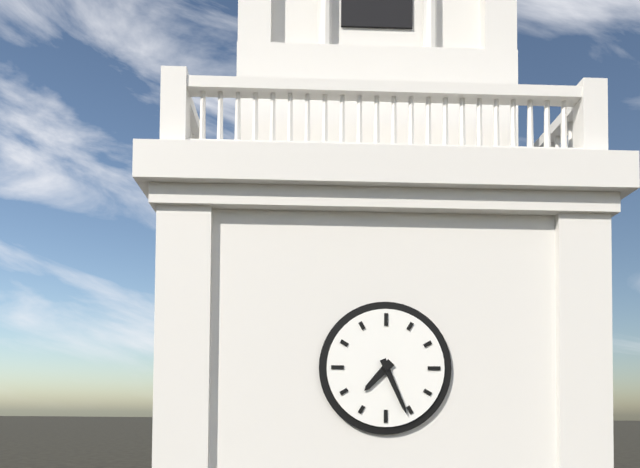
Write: 7,26
